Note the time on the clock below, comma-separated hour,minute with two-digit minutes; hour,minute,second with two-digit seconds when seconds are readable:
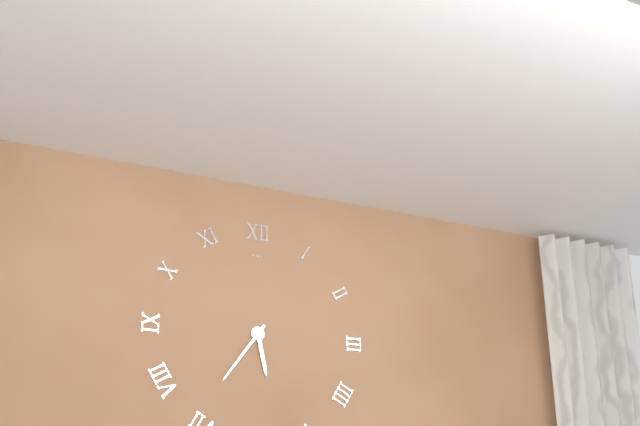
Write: 5,36
